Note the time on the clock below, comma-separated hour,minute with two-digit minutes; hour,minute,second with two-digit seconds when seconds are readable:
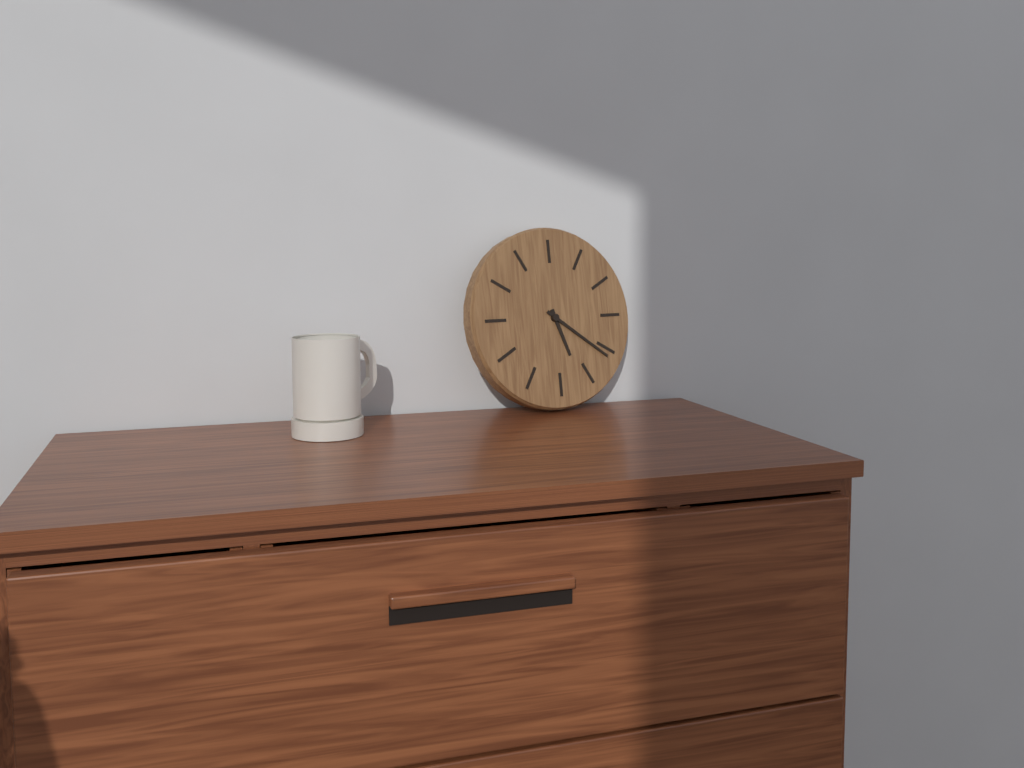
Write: 5,21
